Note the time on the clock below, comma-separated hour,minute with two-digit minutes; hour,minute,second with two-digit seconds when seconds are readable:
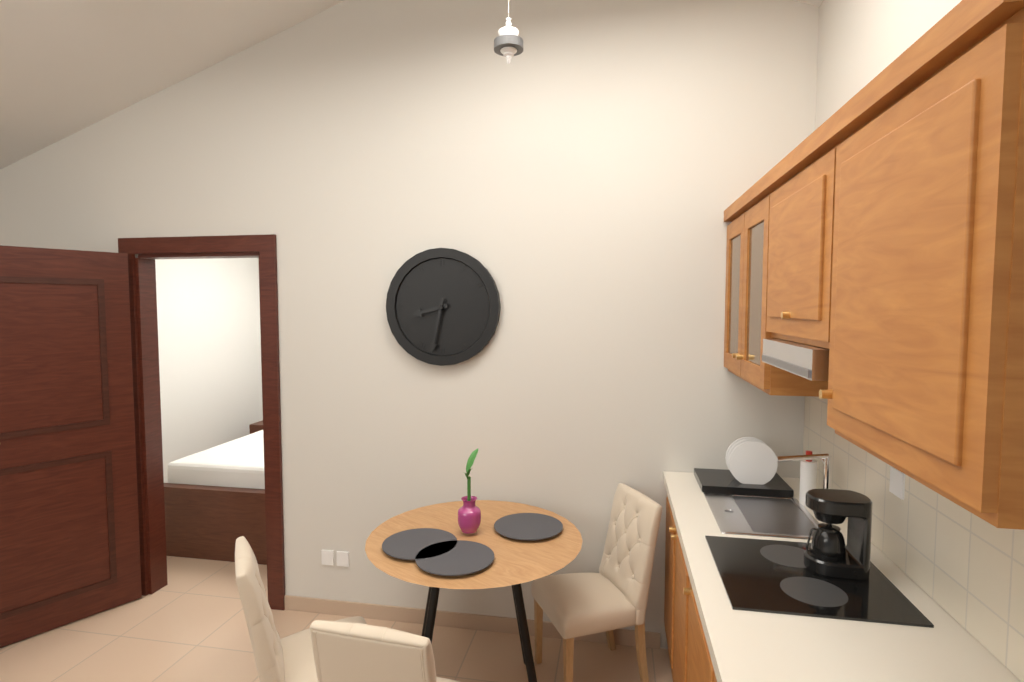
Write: 8,32
